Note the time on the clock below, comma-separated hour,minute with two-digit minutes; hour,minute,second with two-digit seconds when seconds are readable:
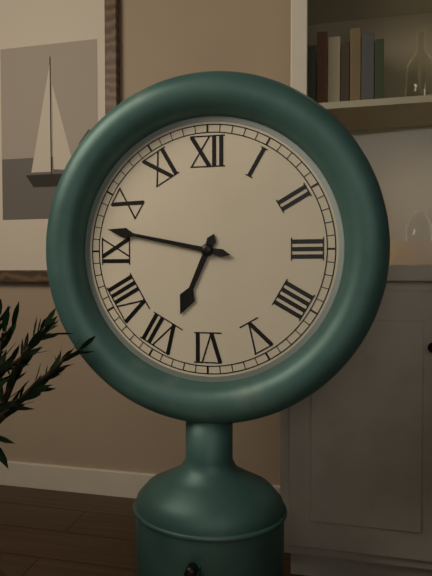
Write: 6,47
